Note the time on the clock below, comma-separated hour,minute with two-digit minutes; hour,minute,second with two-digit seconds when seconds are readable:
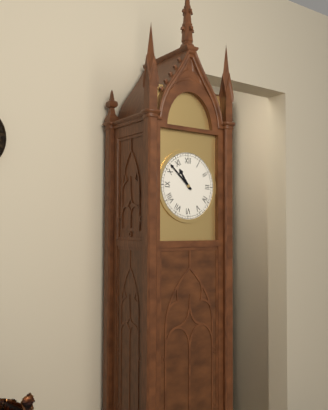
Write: 10,52
